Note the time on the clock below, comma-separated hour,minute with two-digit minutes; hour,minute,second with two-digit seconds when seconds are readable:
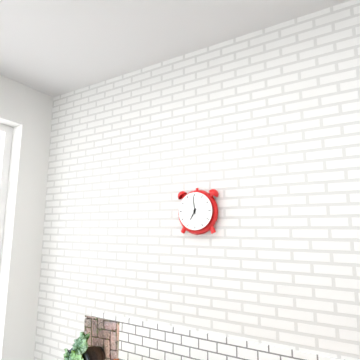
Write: 6,59
